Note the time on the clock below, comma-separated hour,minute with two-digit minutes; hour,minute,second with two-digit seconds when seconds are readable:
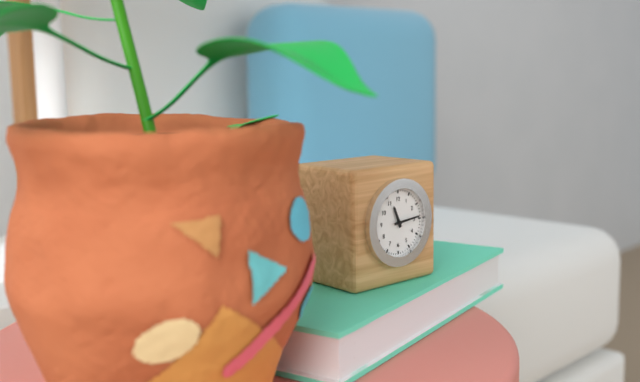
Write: 11,14
